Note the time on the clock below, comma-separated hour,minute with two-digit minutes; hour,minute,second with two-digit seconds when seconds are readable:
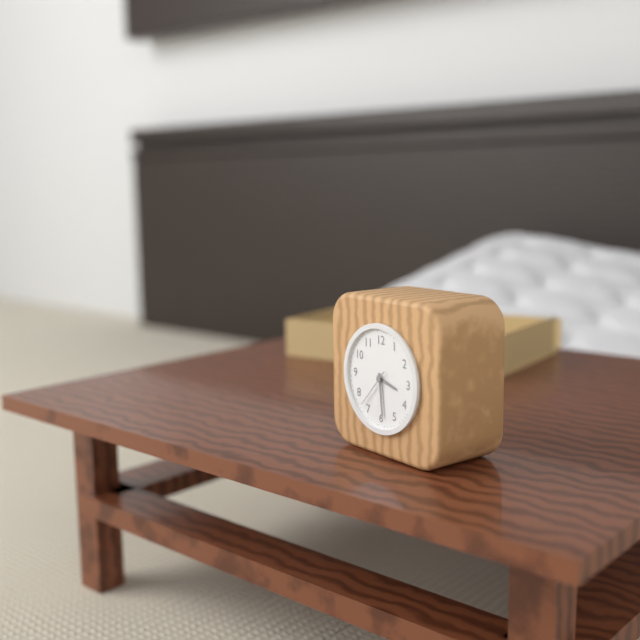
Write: 3,29
